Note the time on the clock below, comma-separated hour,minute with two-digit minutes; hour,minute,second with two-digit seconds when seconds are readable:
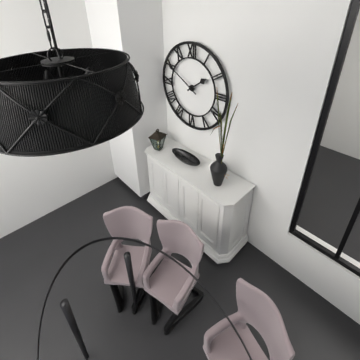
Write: 1,50
